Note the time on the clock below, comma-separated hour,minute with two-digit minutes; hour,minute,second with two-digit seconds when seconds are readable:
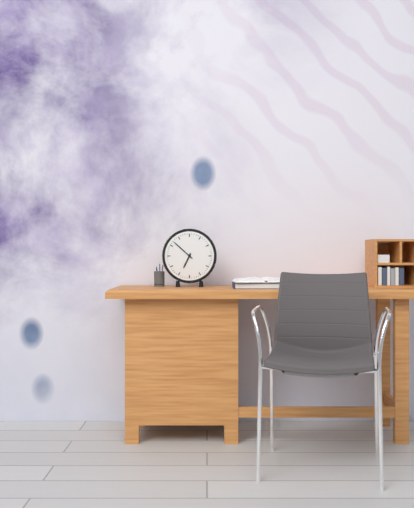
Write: 6,52
